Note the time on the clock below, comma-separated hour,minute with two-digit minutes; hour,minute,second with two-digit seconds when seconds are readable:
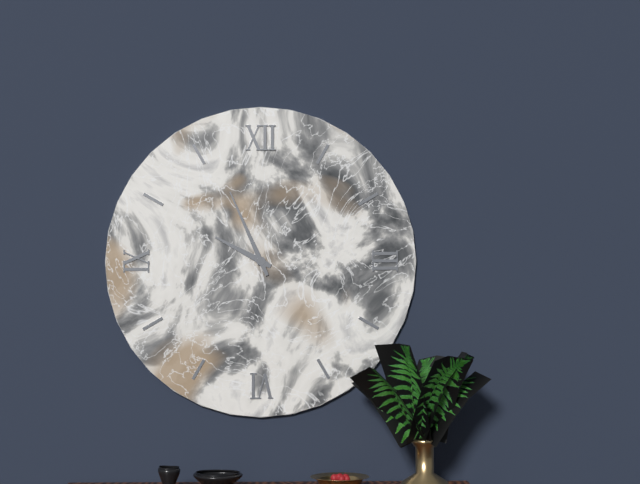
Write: 9,56
